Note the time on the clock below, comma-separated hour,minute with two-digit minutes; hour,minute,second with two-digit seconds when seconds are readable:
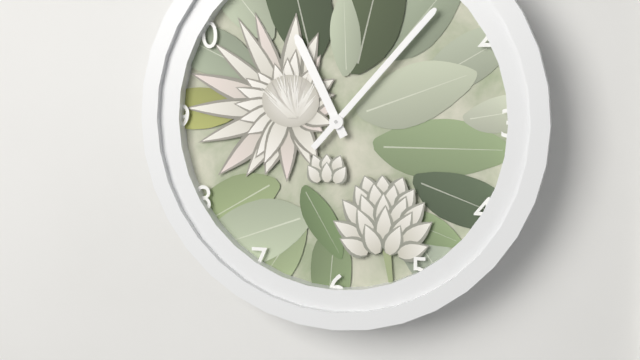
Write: 11,07
